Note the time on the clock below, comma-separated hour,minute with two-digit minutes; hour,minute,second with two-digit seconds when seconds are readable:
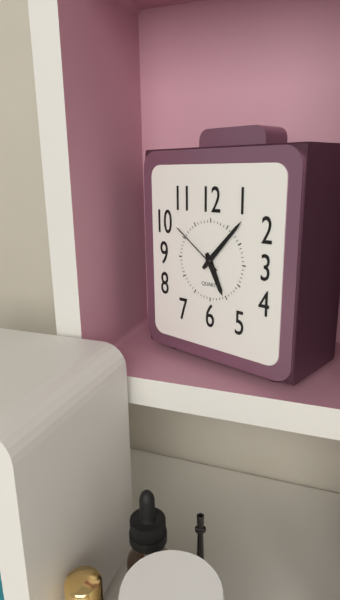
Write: 5,07,51
